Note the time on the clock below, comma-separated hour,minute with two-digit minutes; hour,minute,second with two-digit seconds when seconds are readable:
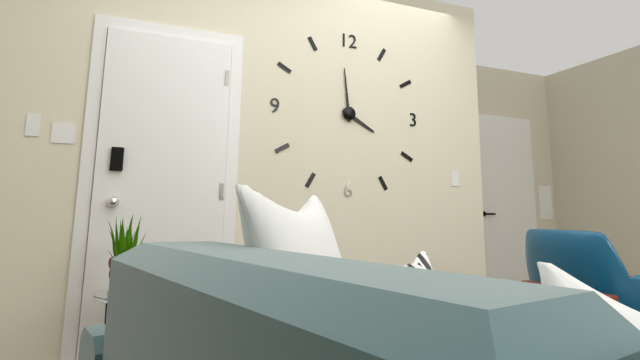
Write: 3,59
